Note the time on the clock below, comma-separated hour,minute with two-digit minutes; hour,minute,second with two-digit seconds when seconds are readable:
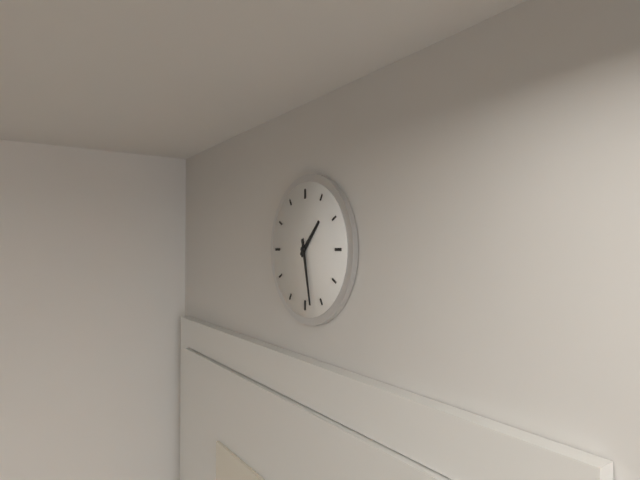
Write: 1,28
